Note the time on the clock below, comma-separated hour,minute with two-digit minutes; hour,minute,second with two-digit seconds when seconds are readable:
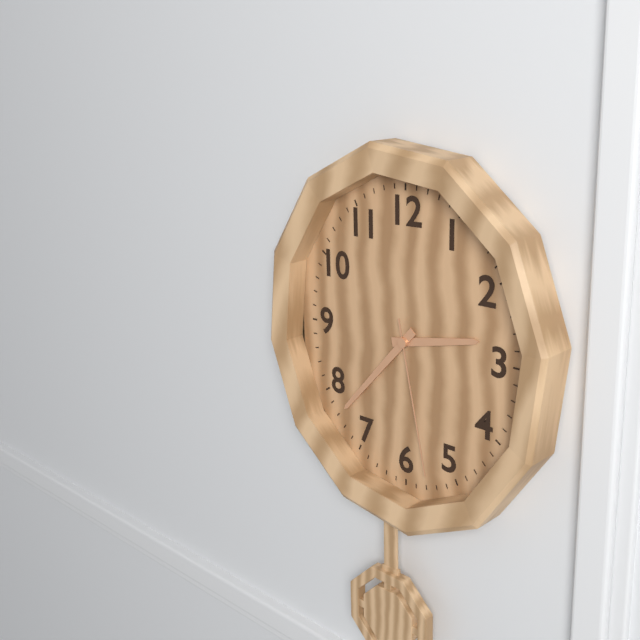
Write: 2,37,28
